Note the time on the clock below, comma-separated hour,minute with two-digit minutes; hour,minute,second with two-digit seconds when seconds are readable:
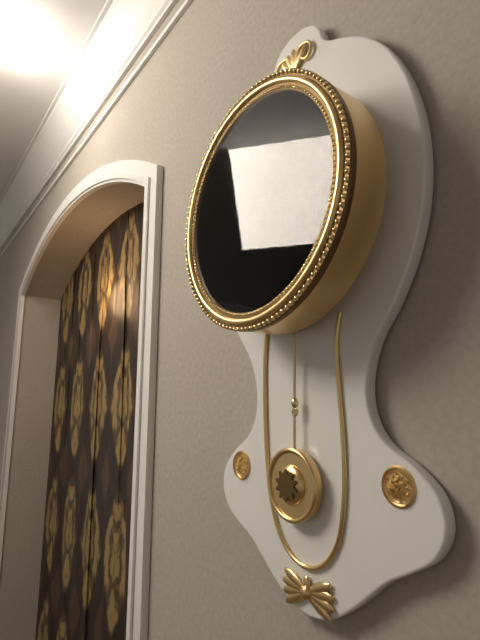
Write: 7,11
